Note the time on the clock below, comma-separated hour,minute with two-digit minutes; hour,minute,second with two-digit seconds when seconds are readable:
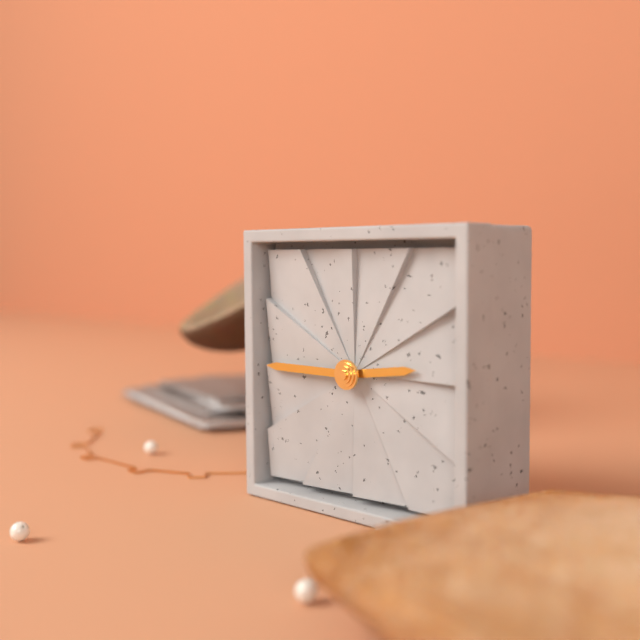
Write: 2,45
